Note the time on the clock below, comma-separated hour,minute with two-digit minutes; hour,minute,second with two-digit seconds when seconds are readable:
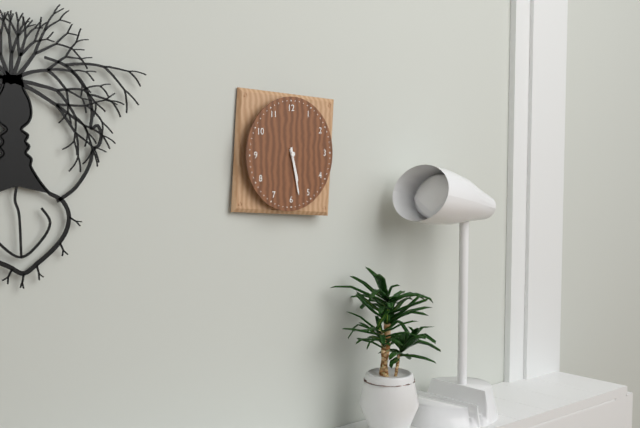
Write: 5,28
